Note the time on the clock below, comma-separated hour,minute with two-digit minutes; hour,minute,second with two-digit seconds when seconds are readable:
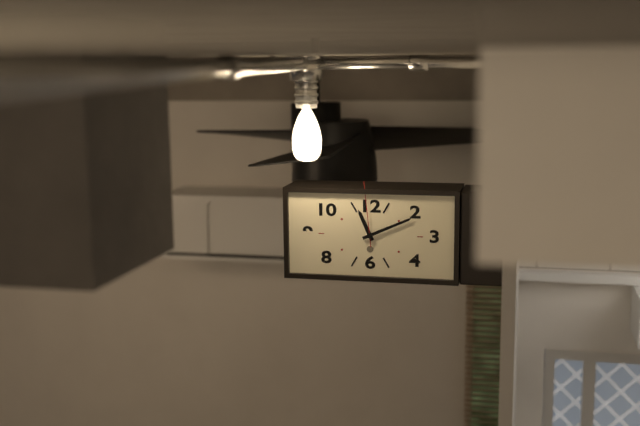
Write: 11,11,59
